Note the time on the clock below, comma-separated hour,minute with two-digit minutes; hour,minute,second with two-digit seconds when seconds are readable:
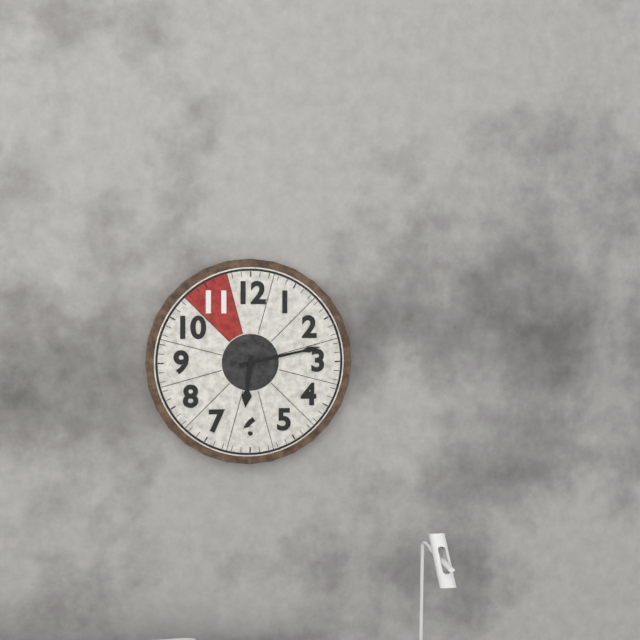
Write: 6,13
